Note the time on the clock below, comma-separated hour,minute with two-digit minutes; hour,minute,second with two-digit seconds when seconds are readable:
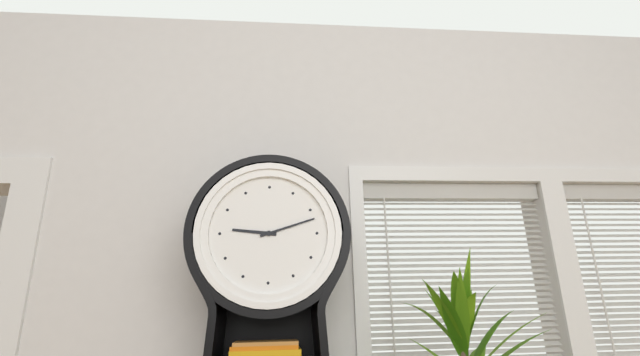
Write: 9,12
